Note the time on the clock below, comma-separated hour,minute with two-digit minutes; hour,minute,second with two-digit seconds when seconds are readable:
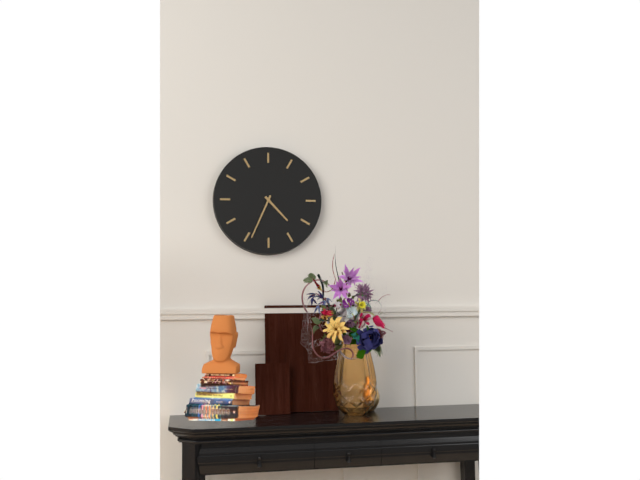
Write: 4,34
